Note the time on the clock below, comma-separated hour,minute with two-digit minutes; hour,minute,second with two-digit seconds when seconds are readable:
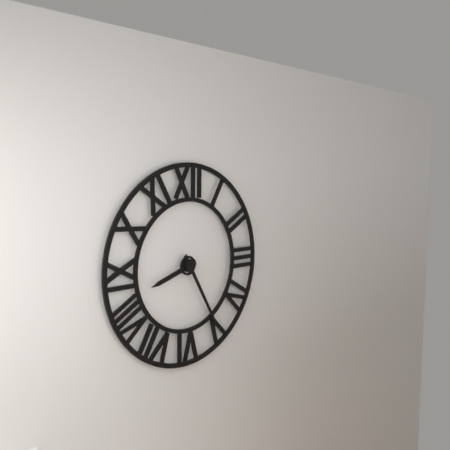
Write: 8,25
